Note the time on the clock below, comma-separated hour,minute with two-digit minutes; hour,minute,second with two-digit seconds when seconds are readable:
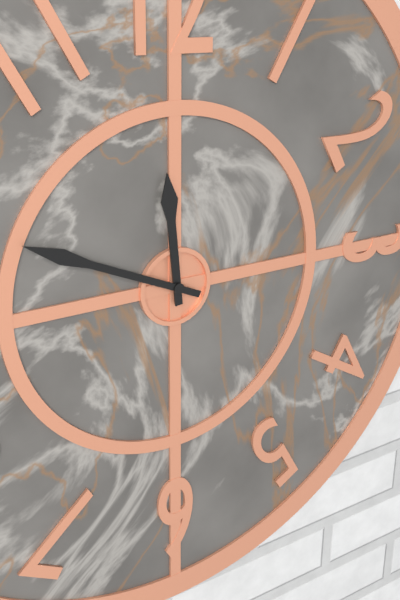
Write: 11,49
